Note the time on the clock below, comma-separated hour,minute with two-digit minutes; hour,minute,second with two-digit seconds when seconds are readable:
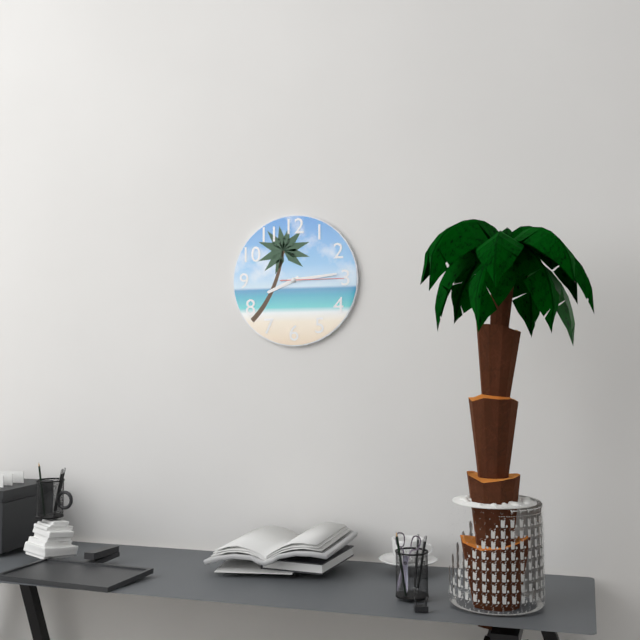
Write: 8,14,15
